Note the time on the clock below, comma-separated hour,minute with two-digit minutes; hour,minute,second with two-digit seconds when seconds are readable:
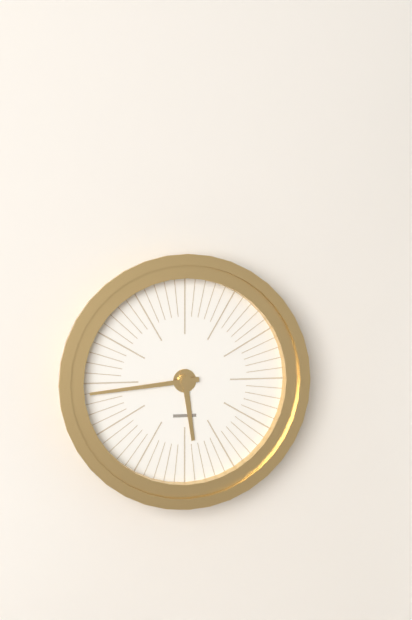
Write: 5,44
